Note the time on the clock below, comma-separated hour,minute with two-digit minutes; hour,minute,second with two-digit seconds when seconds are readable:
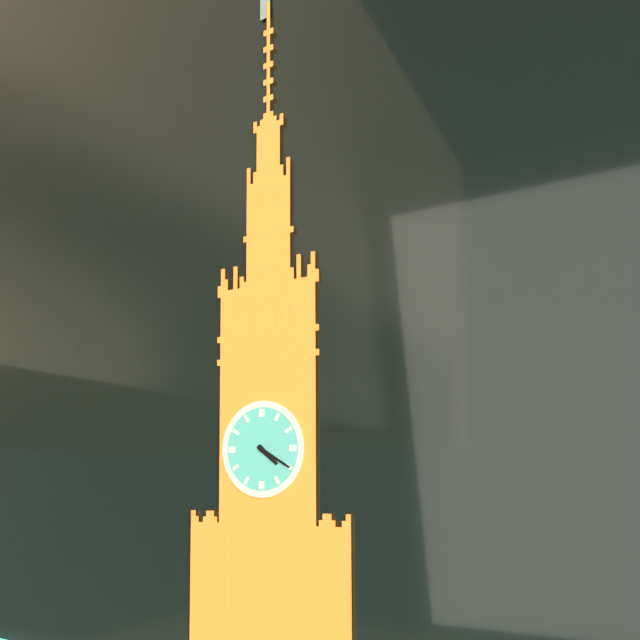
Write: 4,20
